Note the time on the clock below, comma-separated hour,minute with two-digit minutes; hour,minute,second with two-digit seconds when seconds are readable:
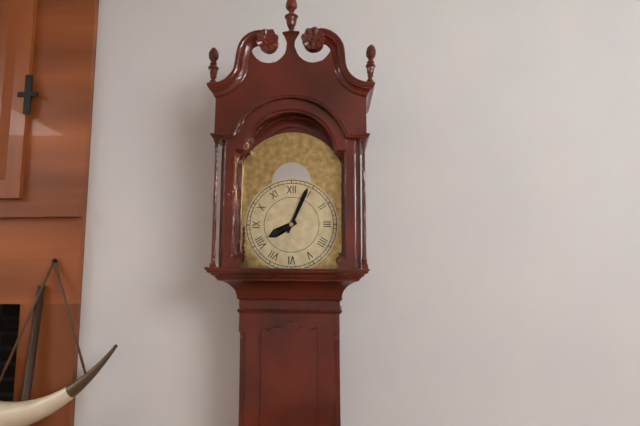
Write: 8,04
